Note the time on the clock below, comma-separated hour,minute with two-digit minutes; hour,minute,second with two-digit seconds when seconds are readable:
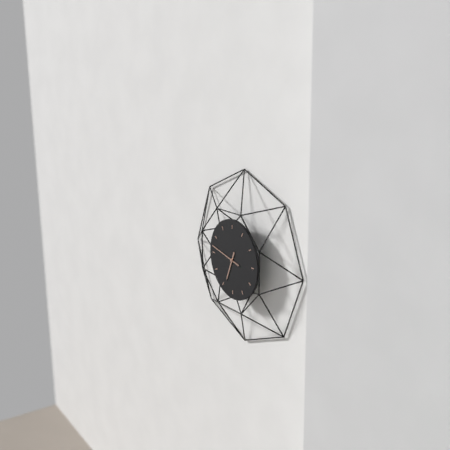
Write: 6,47
